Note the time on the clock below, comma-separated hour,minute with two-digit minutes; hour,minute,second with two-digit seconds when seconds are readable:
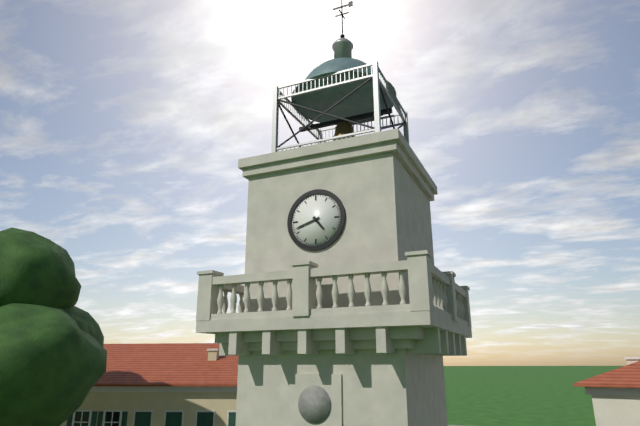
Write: 4,42
